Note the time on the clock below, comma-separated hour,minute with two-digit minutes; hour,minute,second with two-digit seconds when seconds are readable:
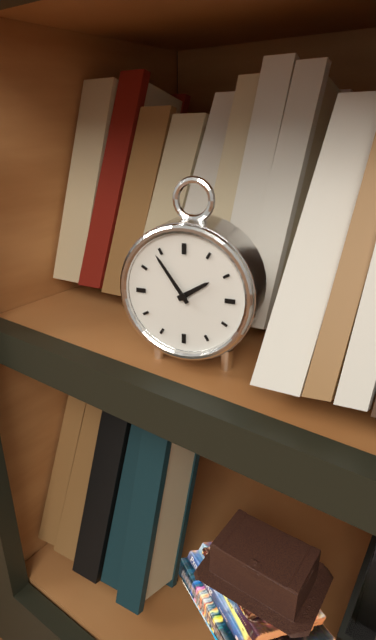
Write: 1,54
